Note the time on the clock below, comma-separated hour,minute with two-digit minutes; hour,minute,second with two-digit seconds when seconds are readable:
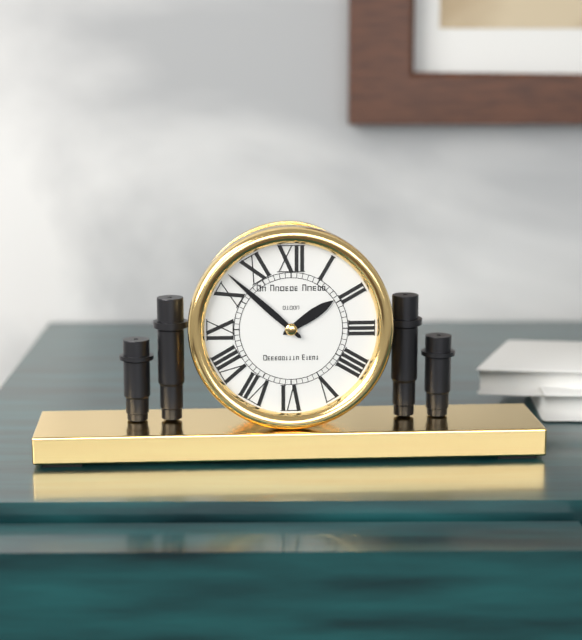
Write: 1,52
